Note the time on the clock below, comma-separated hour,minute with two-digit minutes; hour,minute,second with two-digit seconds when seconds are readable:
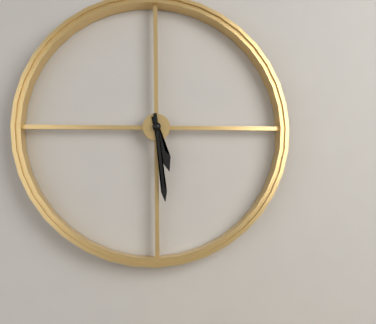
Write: 5,29
